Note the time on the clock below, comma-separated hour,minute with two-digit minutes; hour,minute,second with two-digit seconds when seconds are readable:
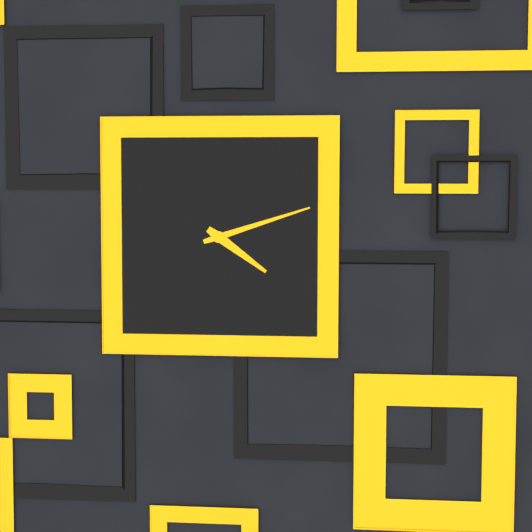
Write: 4,12
